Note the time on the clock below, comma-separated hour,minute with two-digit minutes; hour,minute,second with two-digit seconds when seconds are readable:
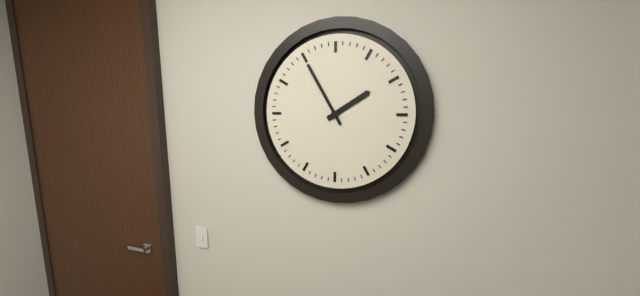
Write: 1,55
